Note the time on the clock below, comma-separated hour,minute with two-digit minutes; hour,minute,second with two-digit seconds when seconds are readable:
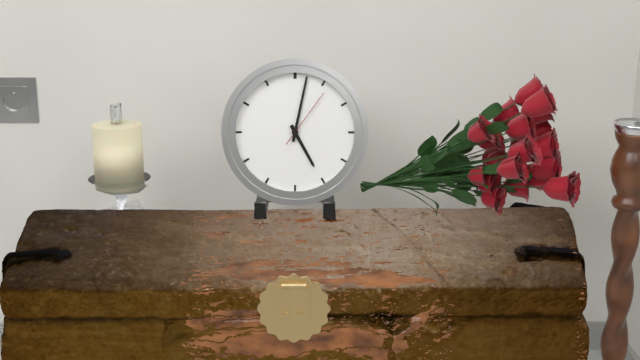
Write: 5,02,06
